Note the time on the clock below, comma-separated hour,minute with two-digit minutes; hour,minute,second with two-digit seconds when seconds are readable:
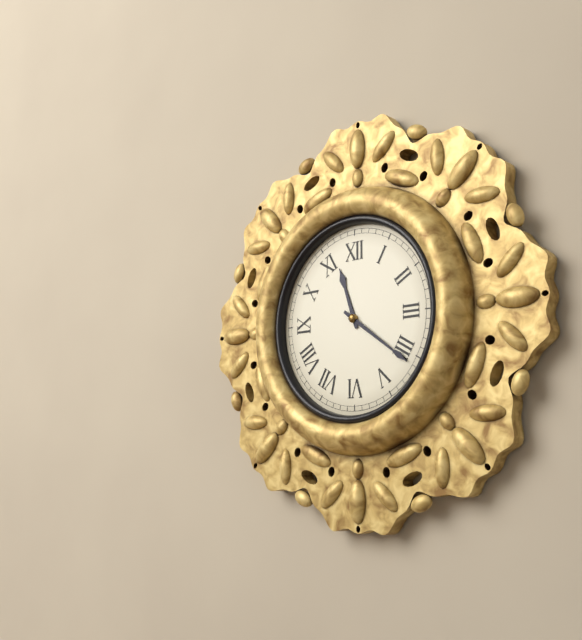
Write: 11,21
